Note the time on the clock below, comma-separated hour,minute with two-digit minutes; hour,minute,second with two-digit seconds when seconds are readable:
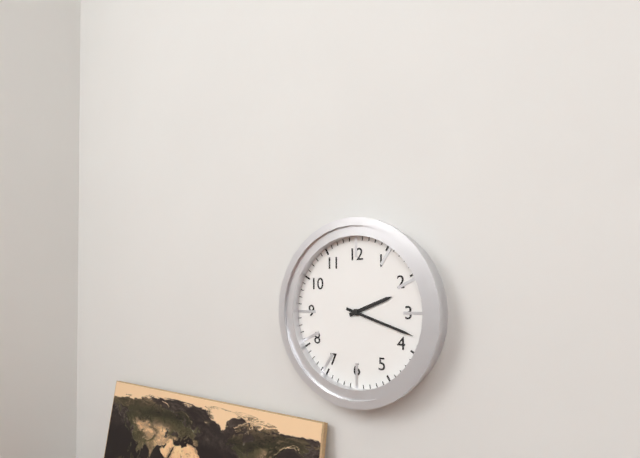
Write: 2,18
